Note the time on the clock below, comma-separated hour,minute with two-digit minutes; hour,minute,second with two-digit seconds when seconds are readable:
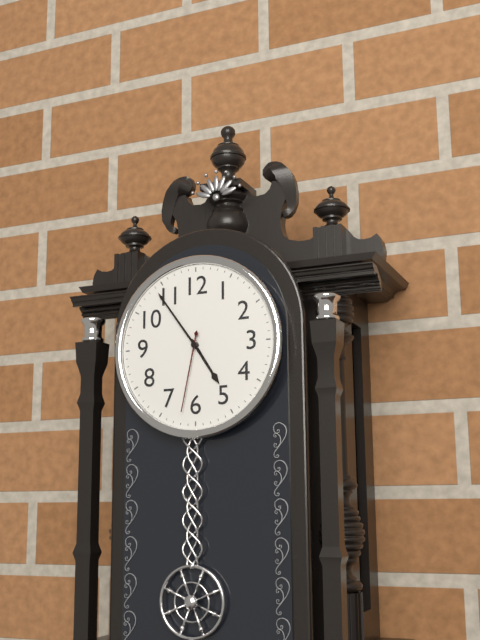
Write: 4,54,32
